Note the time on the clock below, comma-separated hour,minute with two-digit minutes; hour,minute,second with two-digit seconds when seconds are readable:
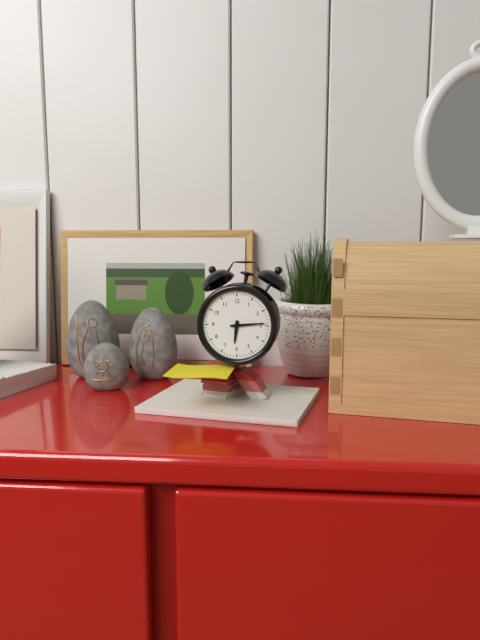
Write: 6,14
